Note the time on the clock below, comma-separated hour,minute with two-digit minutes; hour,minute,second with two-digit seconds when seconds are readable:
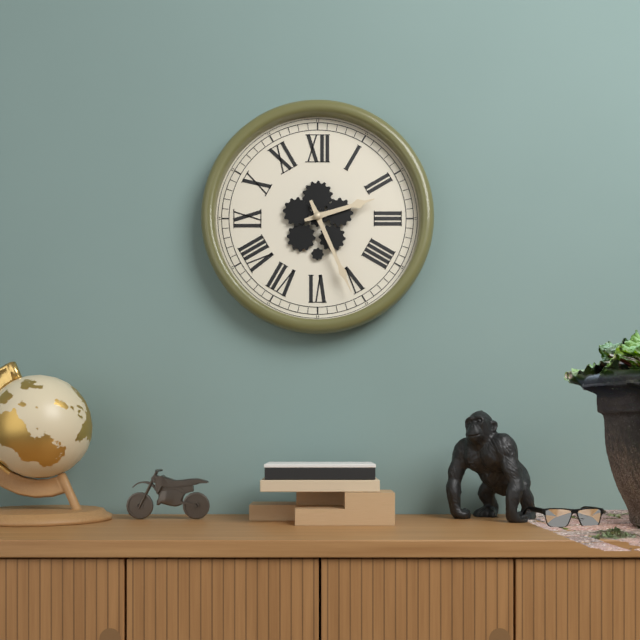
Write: 2,26
